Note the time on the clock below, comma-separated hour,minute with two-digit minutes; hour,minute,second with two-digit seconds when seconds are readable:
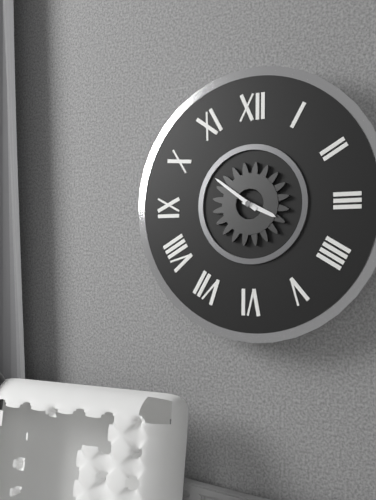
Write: 3,51
